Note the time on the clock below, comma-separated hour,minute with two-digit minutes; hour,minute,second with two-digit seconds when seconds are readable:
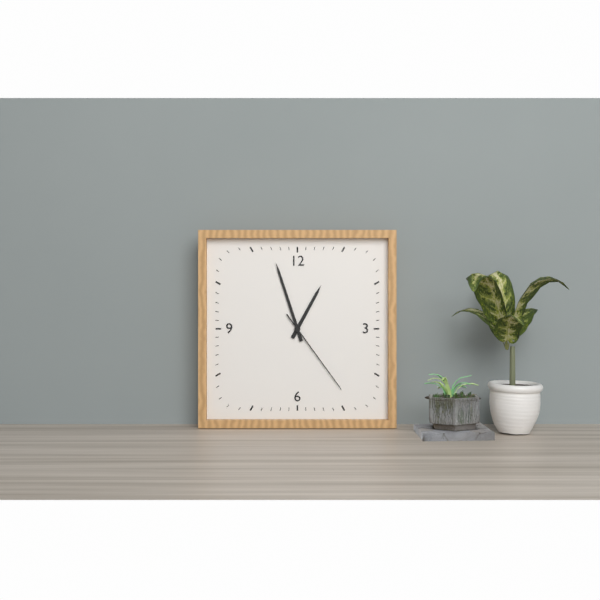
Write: 12,57,24
